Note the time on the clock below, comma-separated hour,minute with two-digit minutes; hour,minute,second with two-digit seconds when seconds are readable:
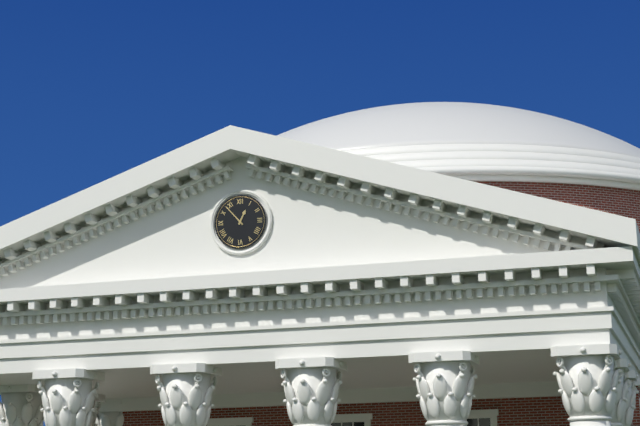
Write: 12,53
